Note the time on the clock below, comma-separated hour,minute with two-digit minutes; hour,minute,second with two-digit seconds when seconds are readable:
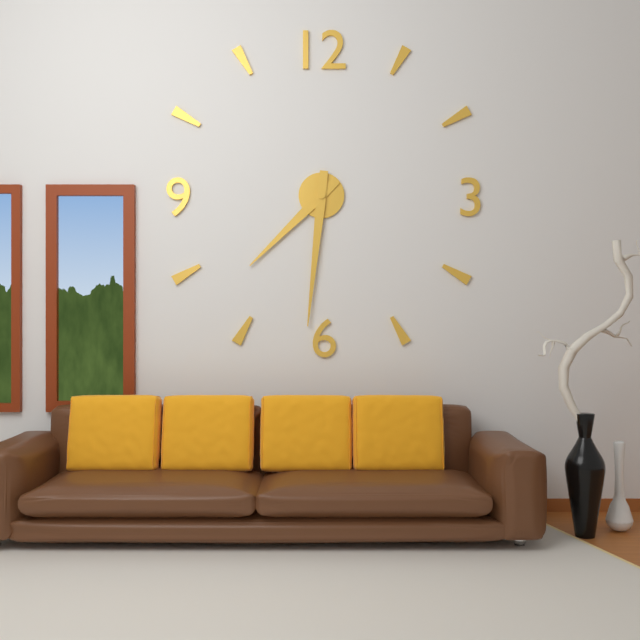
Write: 7,31
